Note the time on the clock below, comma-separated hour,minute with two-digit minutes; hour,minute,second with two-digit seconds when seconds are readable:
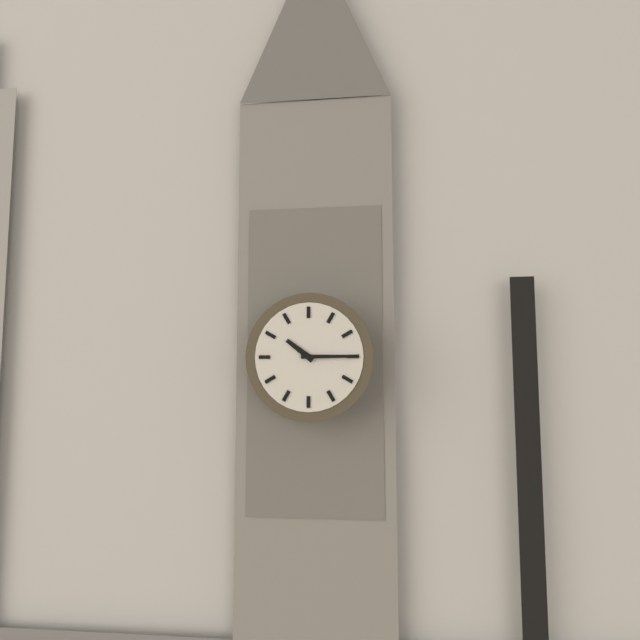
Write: 10,15
